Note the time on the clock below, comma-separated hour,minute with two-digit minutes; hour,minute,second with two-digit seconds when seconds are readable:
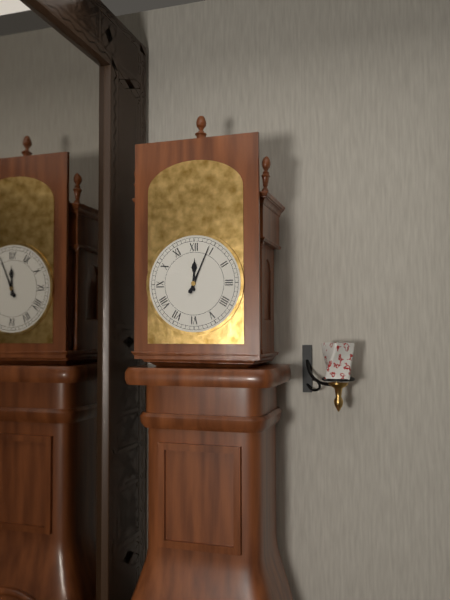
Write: 12,04
